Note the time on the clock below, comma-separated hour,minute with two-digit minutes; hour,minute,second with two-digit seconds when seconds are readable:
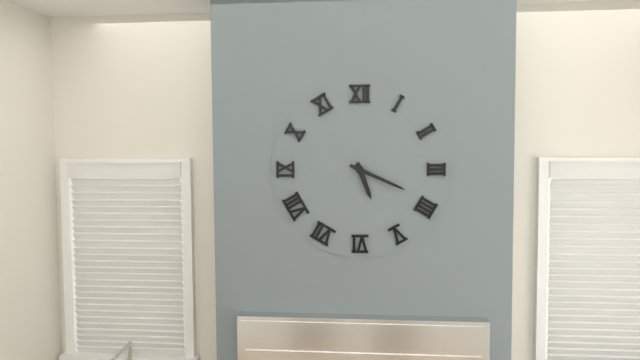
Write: 5,19
